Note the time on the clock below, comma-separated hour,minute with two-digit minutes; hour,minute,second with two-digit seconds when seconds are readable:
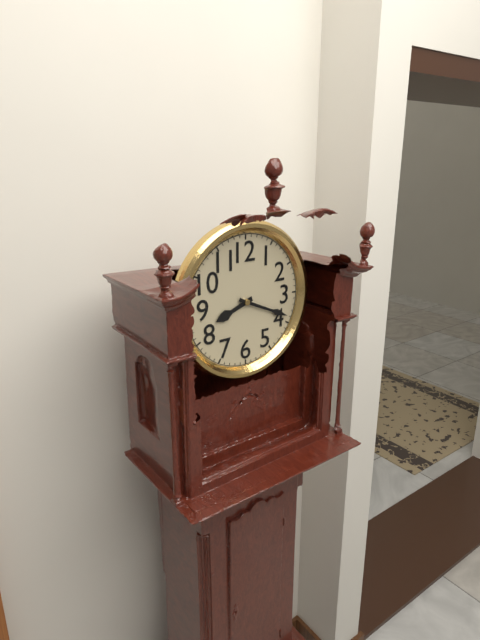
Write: 8,19
